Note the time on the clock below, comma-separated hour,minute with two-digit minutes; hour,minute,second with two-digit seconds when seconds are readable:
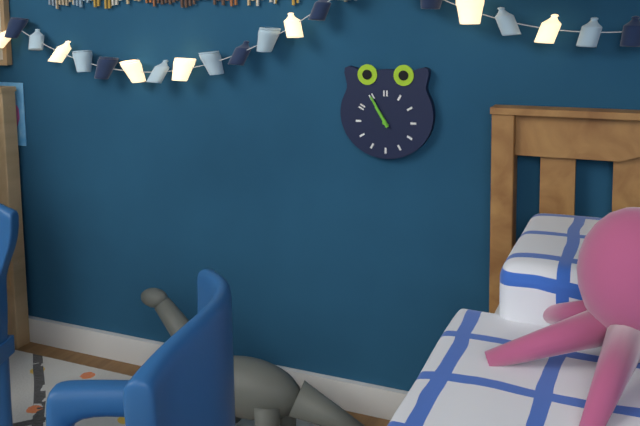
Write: 10,55
